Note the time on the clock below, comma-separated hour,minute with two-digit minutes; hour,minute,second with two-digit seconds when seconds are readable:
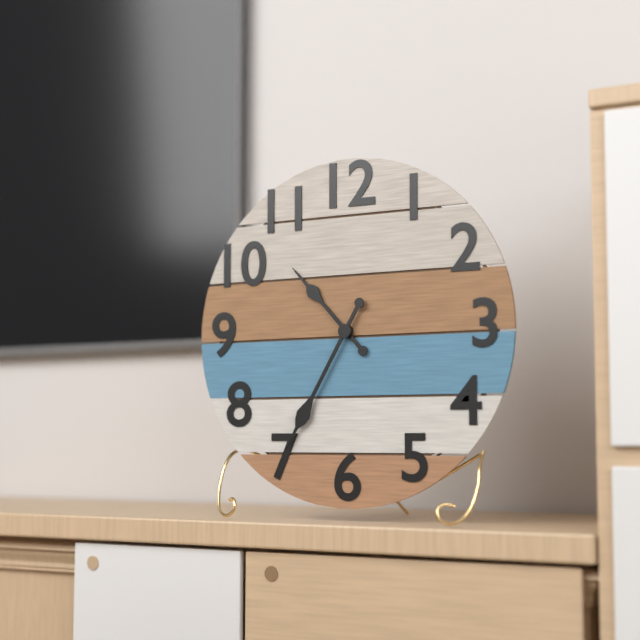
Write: 10,35
